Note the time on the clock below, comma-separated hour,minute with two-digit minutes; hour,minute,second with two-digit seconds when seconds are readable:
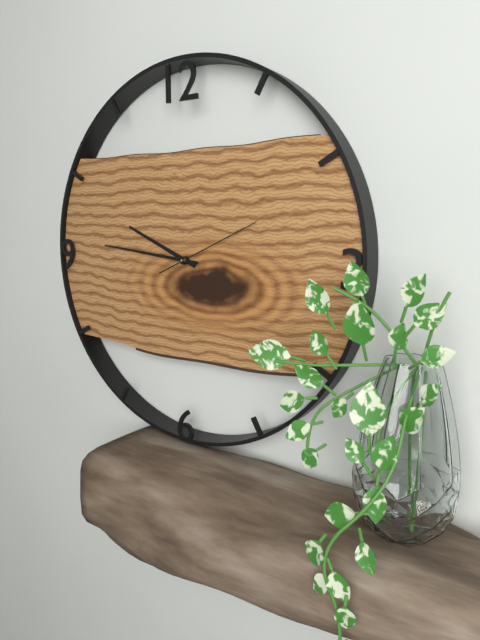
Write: 9,46,11
